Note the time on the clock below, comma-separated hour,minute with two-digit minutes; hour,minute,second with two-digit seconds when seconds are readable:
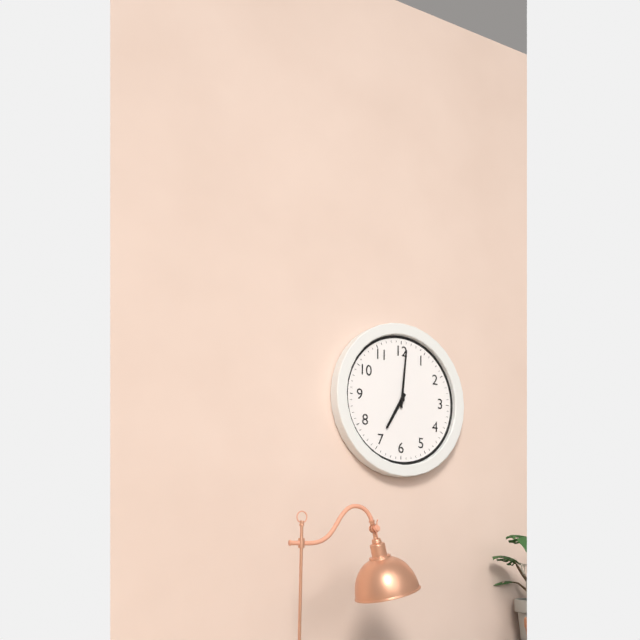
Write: 7,01
